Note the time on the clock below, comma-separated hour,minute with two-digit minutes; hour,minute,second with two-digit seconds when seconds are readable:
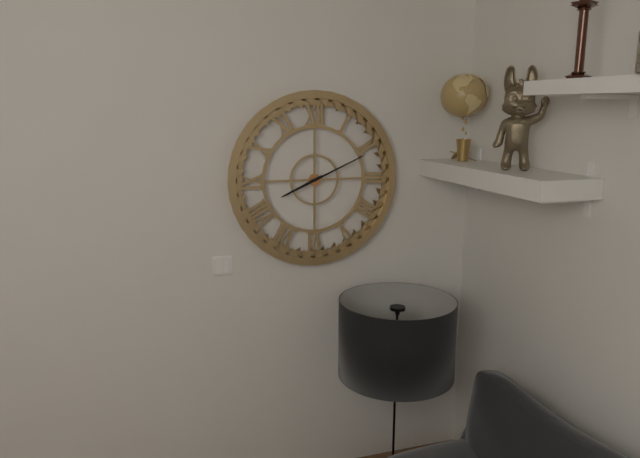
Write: 8,11
